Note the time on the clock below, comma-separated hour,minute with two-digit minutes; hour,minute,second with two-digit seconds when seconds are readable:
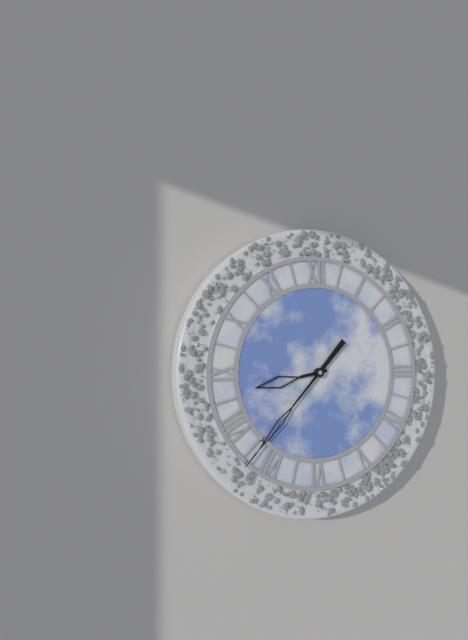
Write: 8,37
